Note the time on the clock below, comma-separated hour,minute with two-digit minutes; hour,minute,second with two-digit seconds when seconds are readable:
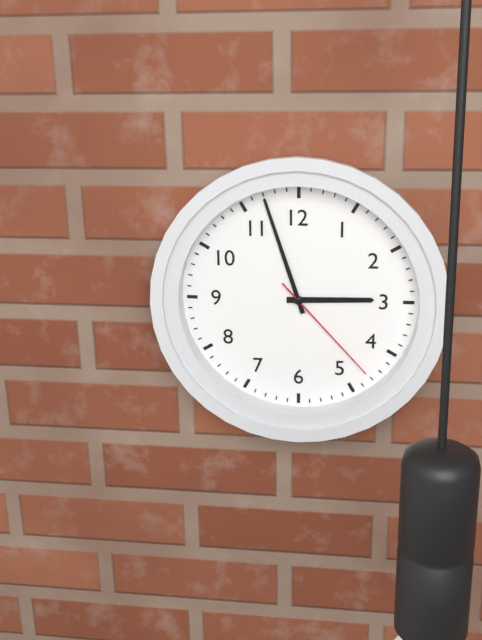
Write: 2,57,23
